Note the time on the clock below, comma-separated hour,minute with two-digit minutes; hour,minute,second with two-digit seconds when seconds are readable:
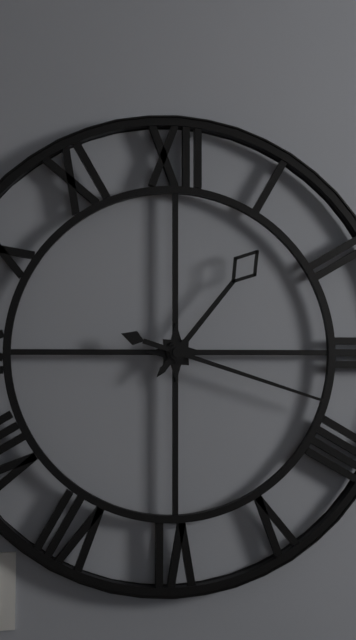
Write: 1,18
